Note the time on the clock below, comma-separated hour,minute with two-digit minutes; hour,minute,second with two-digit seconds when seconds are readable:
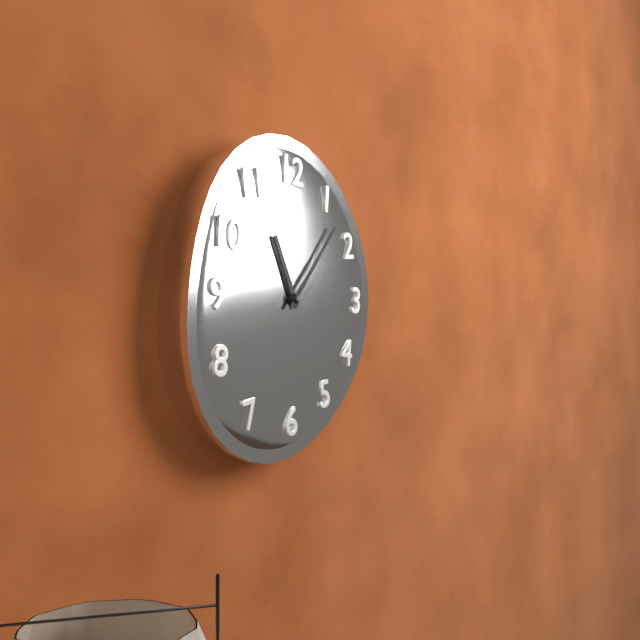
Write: 11,07
